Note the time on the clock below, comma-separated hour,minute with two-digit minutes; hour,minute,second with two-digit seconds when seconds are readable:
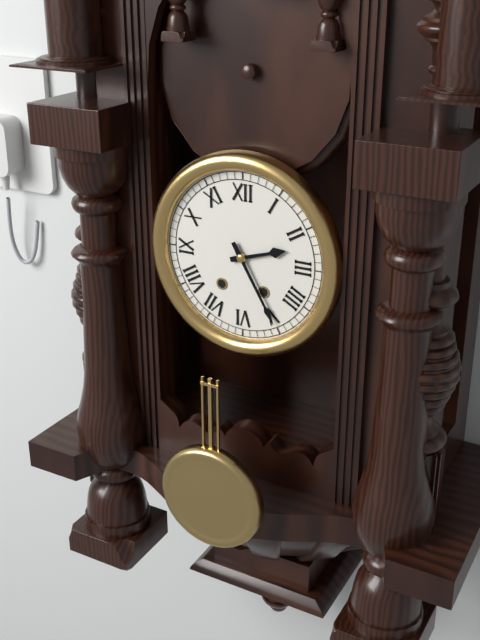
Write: 2,25
